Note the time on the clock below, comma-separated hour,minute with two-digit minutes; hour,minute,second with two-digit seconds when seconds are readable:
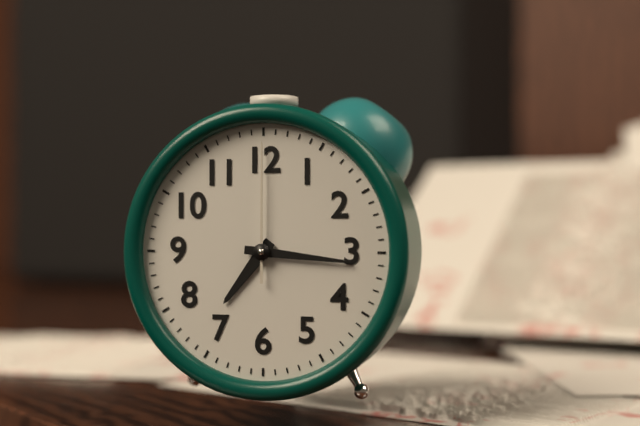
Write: 7,16,00
